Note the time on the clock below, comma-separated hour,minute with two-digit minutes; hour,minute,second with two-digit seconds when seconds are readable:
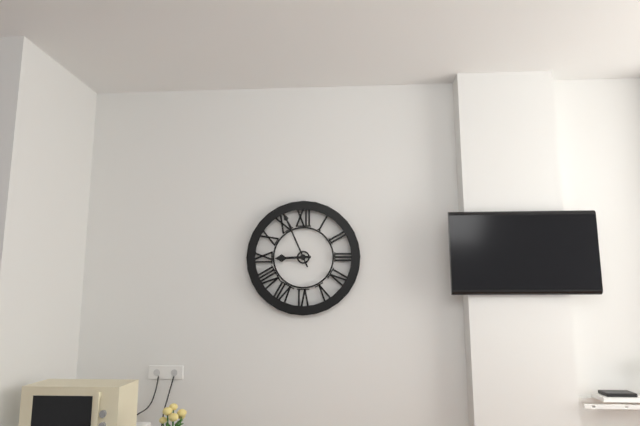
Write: 8,56
